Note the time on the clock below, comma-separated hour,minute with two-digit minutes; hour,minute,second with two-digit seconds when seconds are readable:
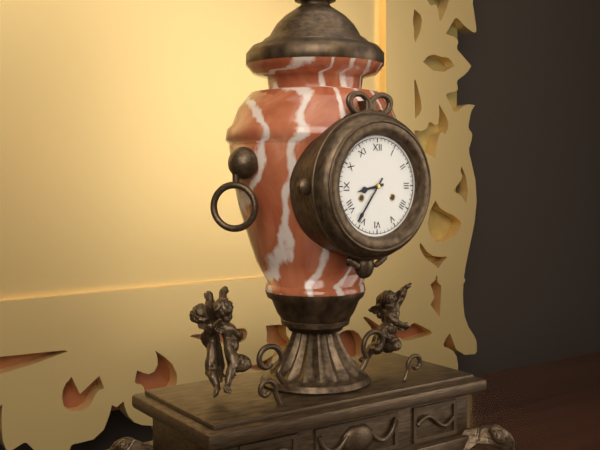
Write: 8,36
